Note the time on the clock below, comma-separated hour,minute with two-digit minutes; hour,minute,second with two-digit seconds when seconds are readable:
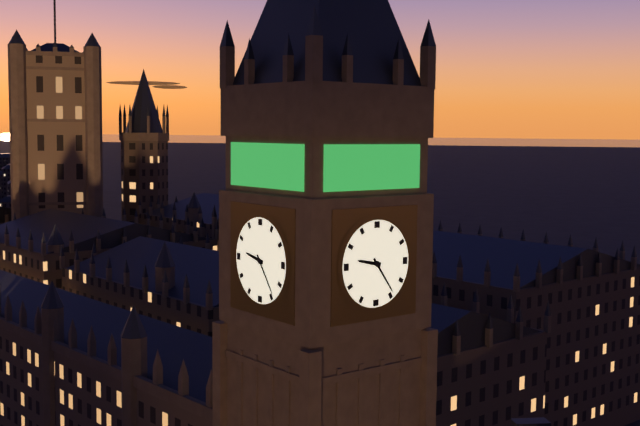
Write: 9,24
